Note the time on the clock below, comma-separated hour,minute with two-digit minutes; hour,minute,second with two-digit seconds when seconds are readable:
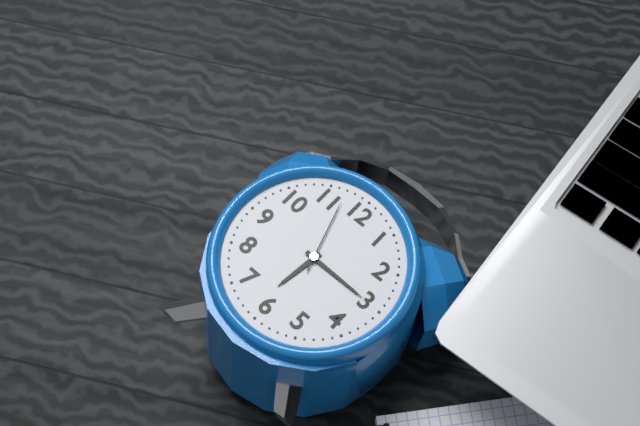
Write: 6,15,57
